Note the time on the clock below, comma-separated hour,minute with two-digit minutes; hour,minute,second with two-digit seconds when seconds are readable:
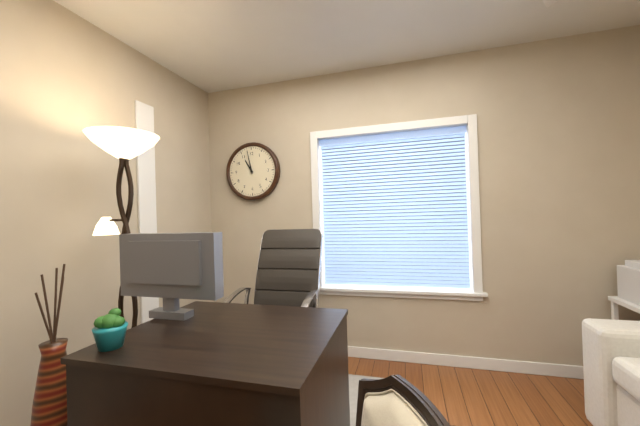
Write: 10,58
